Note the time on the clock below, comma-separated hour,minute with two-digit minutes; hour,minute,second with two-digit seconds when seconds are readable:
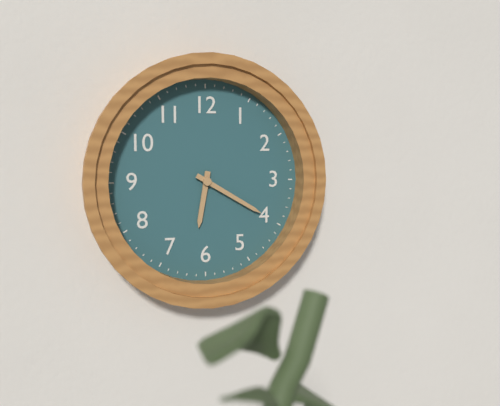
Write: 6,20
